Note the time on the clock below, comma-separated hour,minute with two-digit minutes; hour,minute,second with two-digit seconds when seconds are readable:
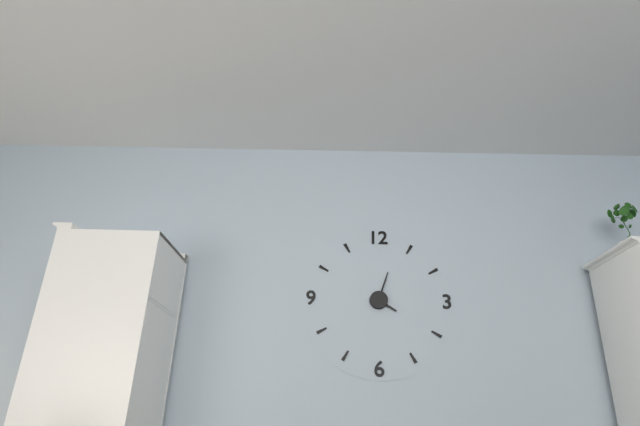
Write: 4,03
